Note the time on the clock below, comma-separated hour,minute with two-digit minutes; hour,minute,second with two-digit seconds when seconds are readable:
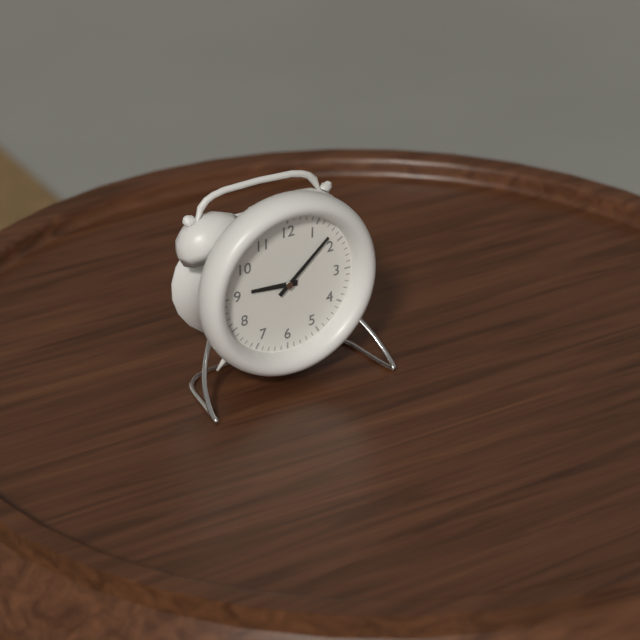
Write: 9,08
